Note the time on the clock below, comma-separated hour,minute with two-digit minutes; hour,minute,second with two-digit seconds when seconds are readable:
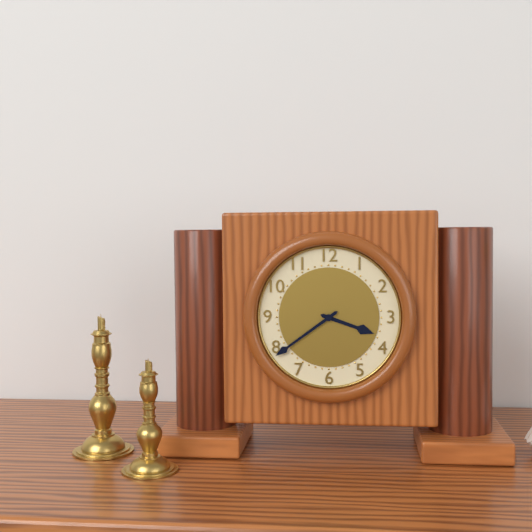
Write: 3,39
